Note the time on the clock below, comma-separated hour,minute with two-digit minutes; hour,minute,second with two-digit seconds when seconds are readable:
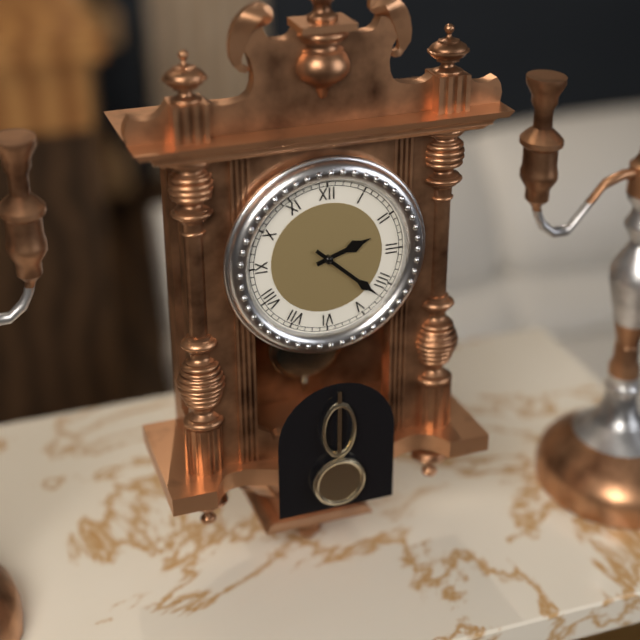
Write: 2,22
